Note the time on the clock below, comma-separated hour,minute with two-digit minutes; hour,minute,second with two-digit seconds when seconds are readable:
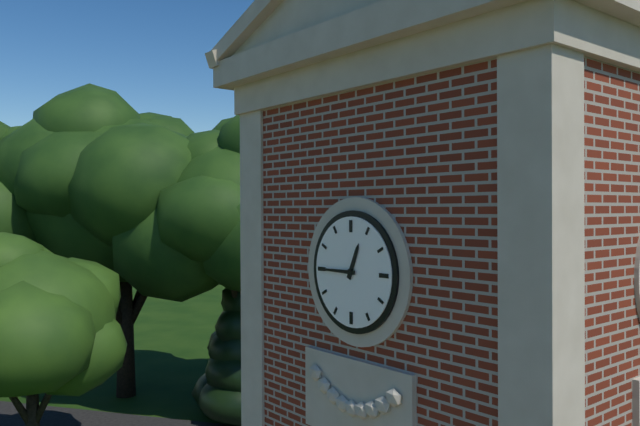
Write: 12,45
